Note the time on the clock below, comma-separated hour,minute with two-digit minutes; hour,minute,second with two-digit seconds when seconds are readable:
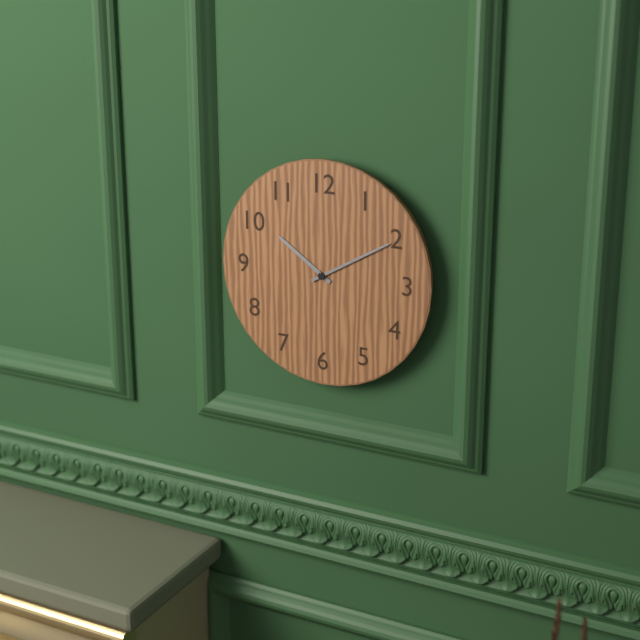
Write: 10,10
